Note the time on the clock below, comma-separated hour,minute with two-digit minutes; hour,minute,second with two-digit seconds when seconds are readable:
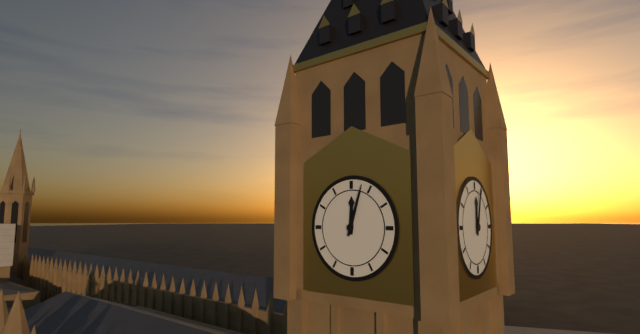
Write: 12,03
